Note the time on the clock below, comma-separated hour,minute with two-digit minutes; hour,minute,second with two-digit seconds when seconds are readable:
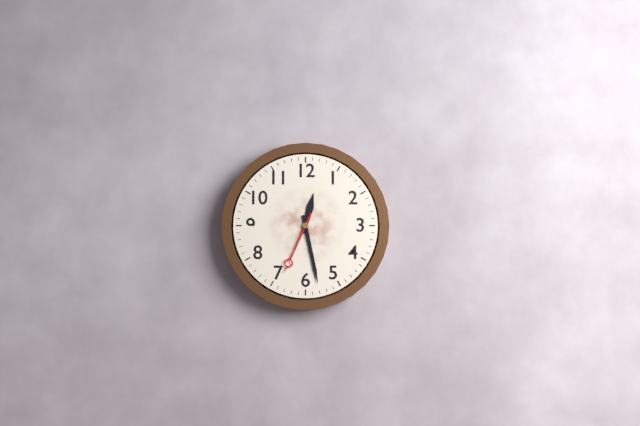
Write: 12,28,34
